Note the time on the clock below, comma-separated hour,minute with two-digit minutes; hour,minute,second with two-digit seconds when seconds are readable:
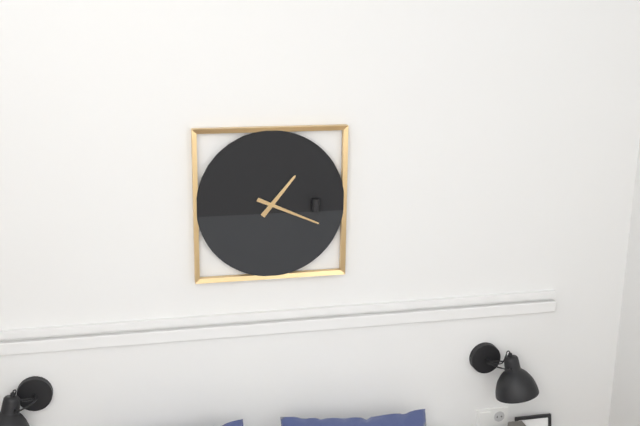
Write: 1,19
